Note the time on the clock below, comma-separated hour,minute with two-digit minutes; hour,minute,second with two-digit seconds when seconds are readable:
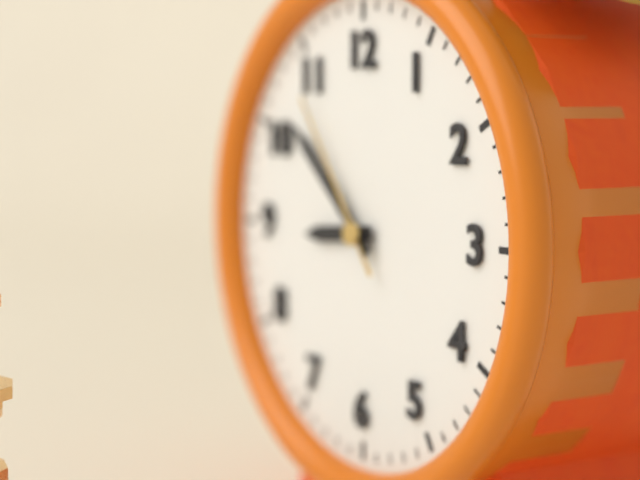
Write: 8,52,54
